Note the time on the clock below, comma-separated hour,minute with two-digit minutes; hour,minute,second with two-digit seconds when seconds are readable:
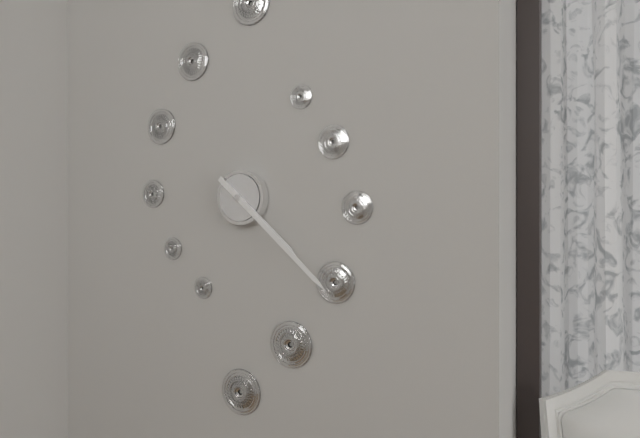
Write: 4,22
